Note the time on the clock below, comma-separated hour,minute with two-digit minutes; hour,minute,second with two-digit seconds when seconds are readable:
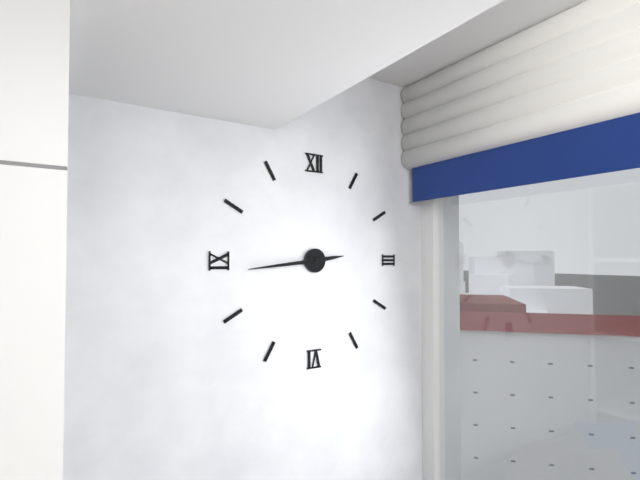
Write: 2,44
